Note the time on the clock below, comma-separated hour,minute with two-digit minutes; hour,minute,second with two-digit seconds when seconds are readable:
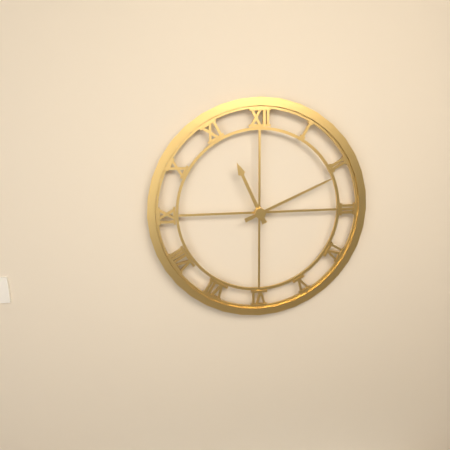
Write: 11,11
